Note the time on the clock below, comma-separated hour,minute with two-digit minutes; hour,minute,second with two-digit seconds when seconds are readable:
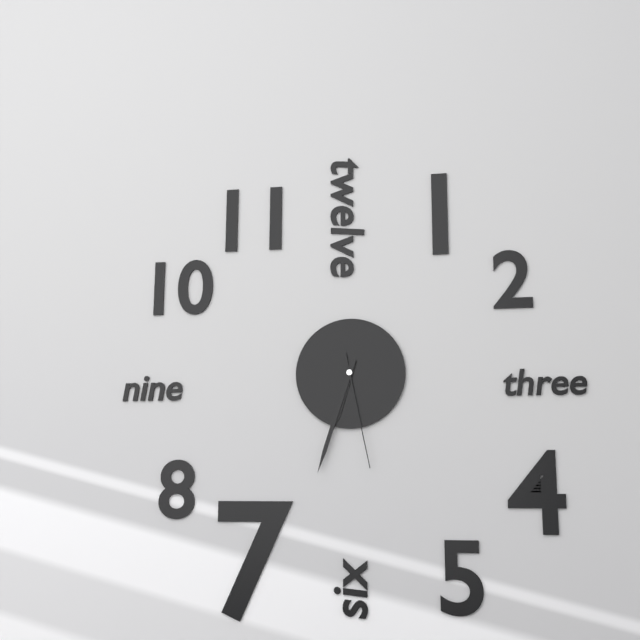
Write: 6,33,28
